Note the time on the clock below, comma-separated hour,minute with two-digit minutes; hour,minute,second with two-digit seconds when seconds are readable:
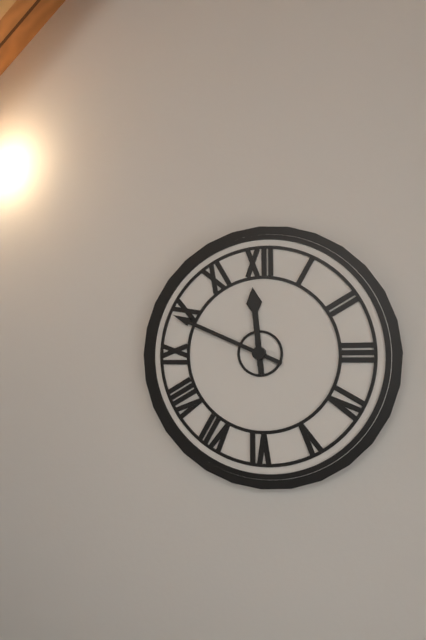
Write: 11,49
